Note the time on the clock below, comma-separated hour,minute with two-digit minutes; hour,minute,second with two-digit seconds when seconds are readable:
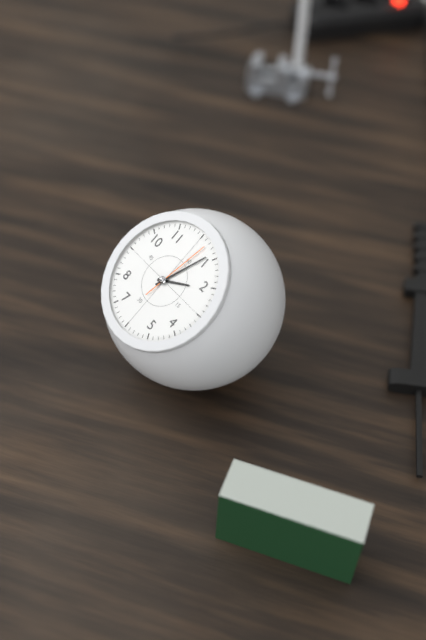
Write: 2,04,02
